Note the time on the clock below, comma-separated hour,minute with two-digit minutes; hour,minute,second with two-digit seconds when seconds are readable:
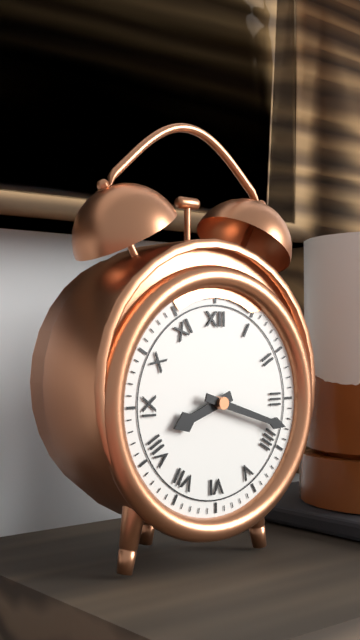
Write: 8,18
